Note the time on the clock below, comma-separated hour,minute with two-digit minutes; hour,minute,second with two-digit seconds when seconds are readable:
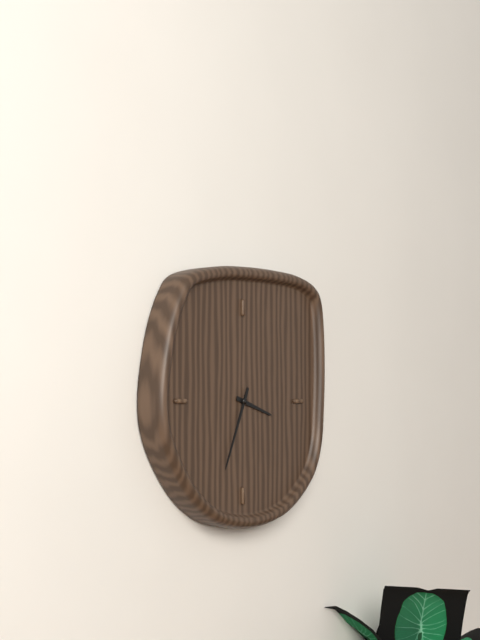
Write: 3,34
